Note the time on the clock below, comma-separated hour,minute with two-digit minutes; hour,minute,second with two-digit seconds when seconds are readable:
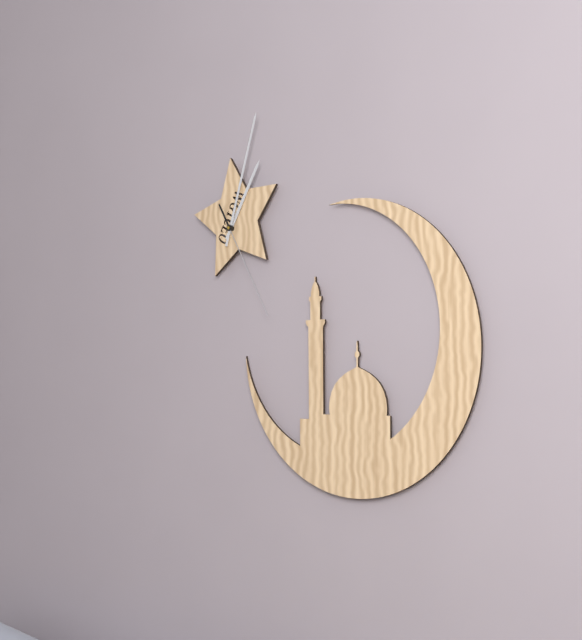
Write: 1,03,25
